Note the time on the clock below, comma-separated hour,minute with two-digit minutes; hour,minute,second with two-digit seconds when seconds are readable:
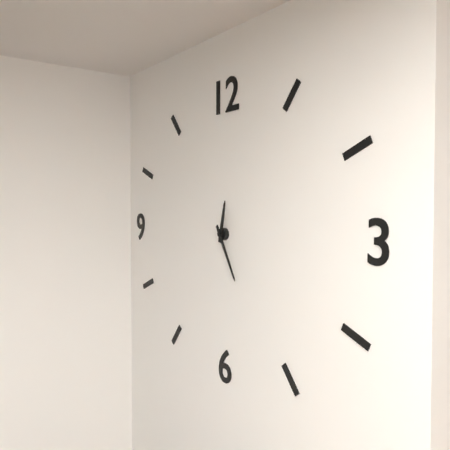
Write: 12,25
